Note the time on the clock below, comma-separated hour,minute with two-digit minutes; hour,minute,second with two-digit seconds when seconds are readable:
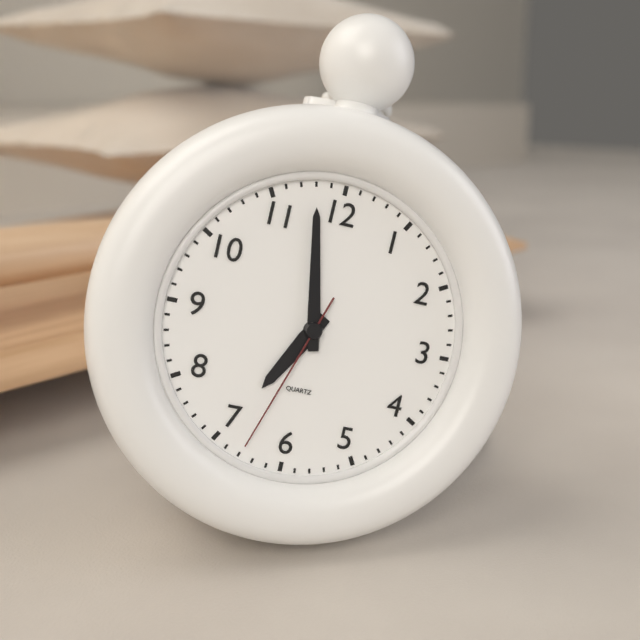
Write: 6,58,33
